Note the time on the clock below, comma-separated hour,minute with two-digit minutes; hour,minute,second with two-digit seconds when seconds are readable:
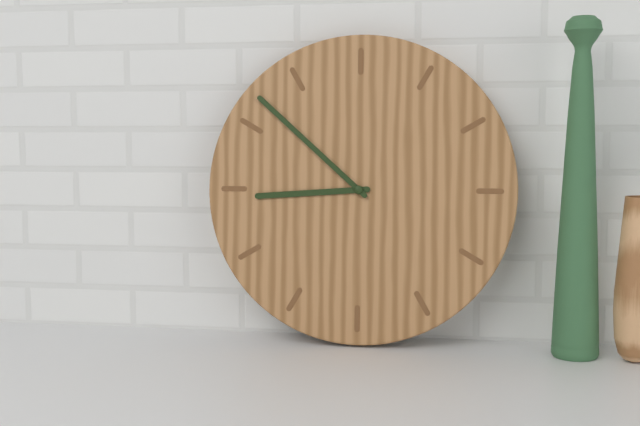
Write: 8,52
